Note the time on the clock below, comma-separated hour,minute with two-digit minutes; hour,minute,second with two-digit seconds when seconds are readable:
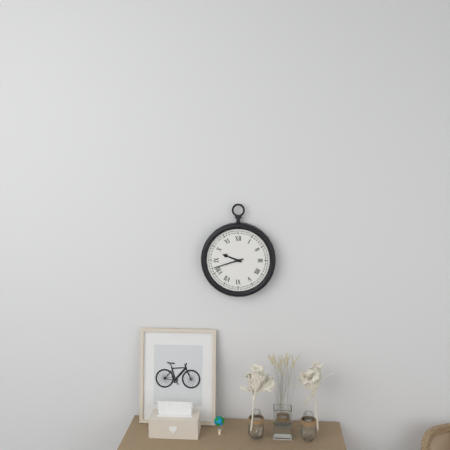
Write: 9,42
